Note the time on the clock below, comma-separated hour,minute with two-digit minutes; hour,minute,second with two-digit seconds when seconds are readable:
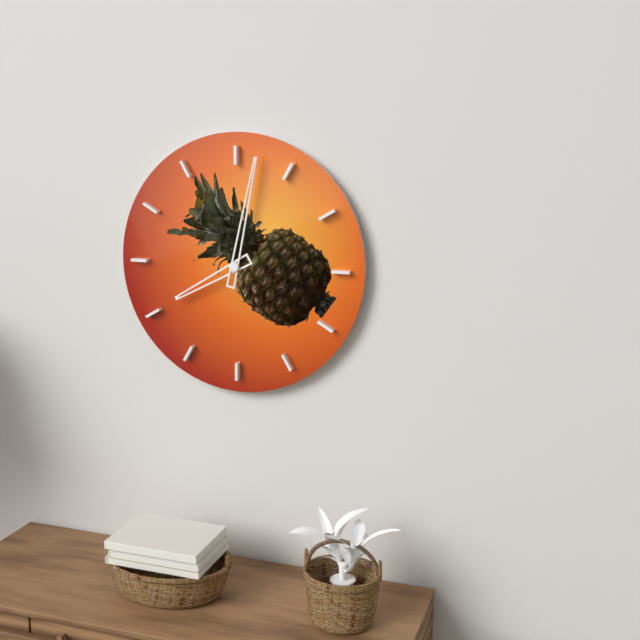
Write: 8,02
